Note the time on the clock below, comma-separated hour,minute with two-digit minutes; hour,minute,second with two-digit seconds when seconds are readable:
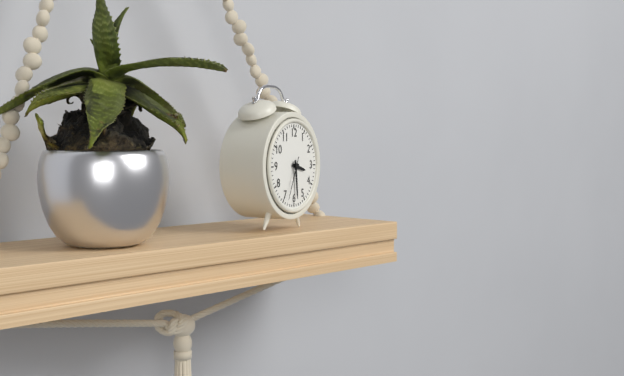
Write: 3,29
